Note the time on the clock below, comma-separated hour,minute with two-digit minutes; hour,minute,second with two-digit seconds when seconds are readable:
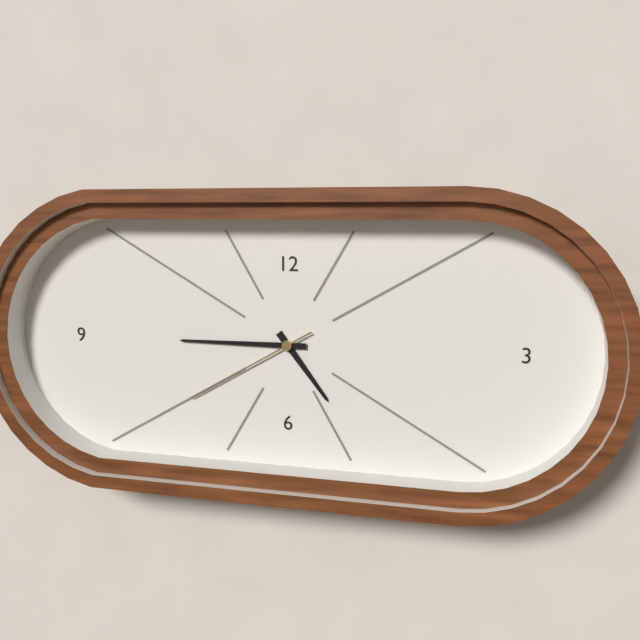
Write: 4,45,40
